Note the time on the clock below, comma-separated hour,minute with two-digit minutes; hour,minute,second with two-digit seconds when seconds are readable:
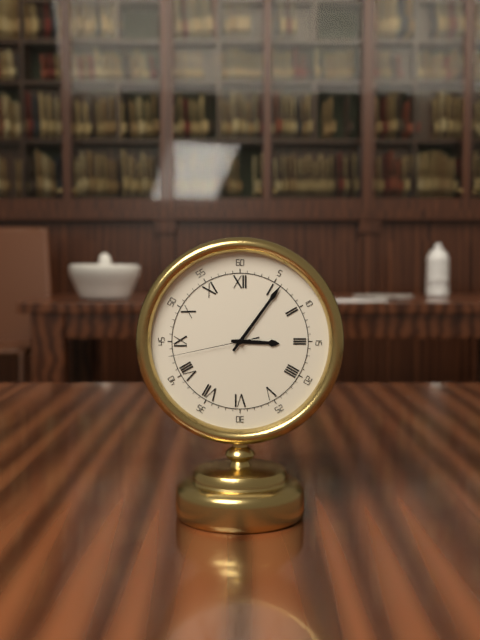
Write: 3,06,43
